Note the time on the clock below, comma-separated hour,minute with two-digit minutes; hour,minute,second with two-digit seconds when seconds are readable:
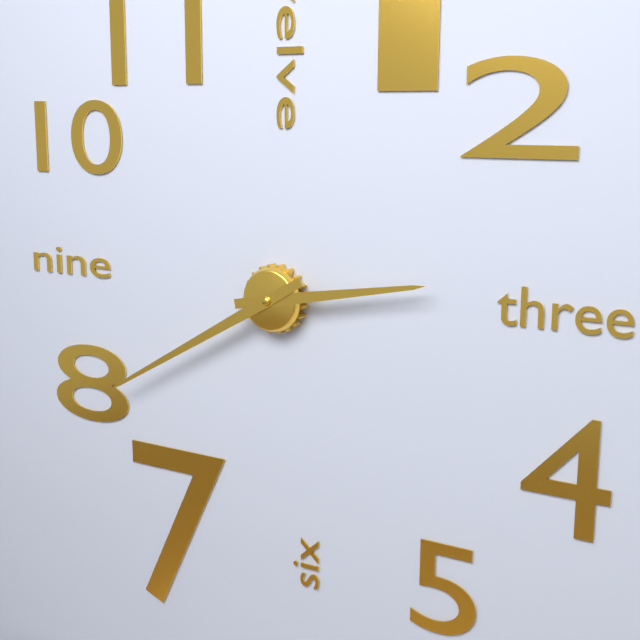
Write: 2,40
